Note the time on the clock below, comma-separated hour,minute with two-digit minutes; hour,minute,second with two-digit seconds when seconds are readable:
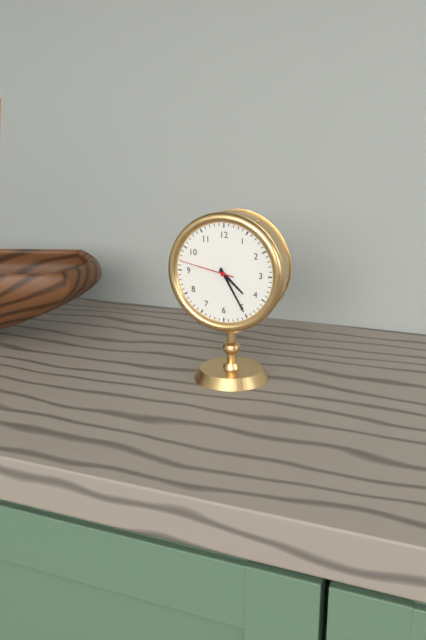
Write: 4,25,47
